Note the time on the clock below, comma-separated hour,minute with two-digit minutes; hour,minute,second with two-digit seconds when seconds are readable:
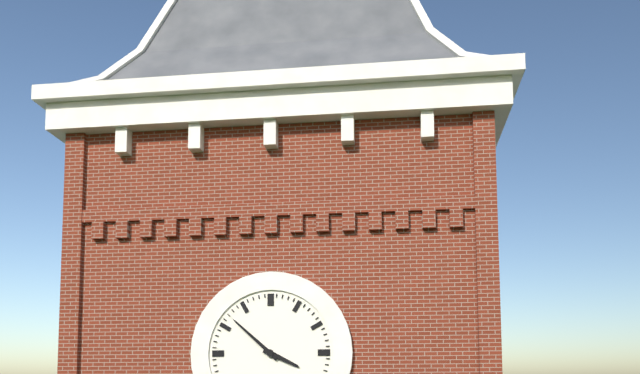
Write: 3,52
